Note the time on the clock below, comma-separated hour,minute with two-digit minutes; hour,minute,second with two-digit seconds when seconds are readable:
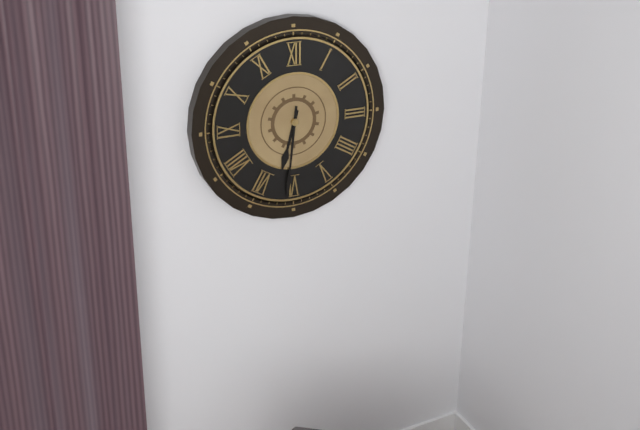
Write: 6,31
